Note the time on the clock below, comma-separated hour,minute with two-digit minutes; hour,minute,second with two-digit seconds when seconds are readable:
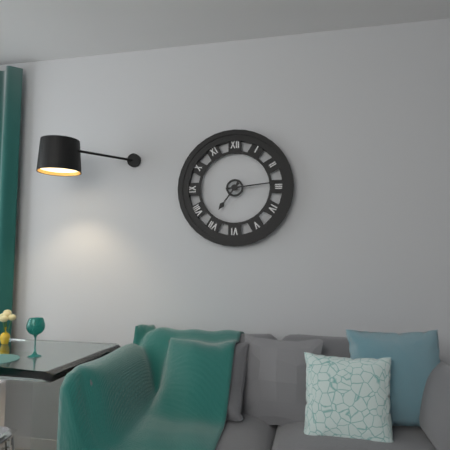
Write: 7,14
